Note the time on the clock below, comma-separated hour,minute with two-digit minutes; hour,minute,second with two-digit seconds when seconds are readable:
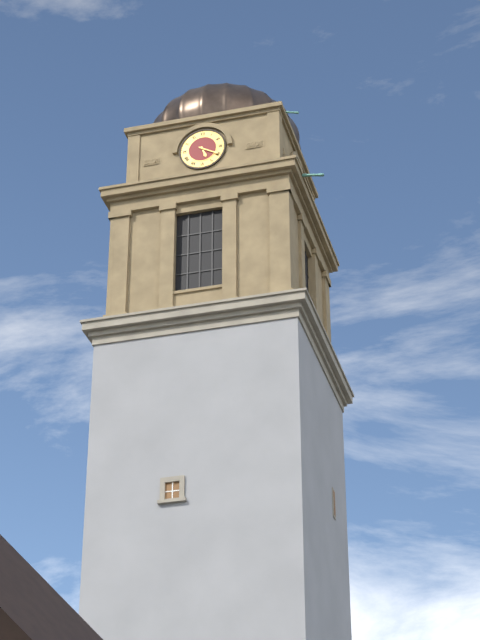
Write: 5,20
